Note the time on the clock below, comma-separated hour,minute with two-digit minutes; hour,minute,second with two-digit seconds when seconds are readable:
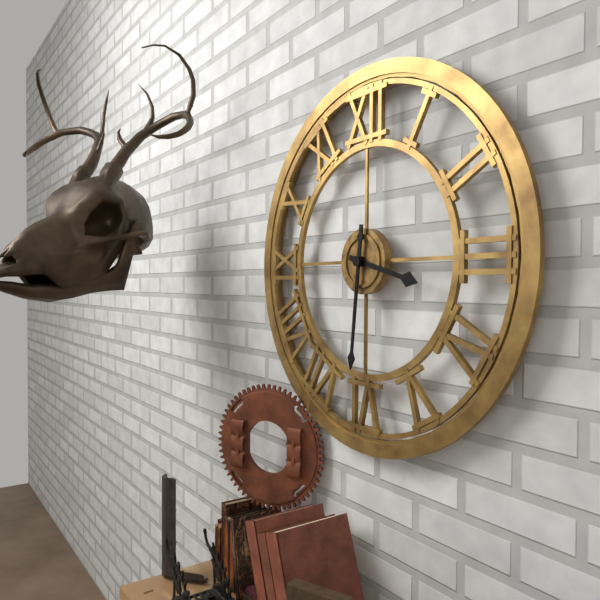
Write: 3,31
